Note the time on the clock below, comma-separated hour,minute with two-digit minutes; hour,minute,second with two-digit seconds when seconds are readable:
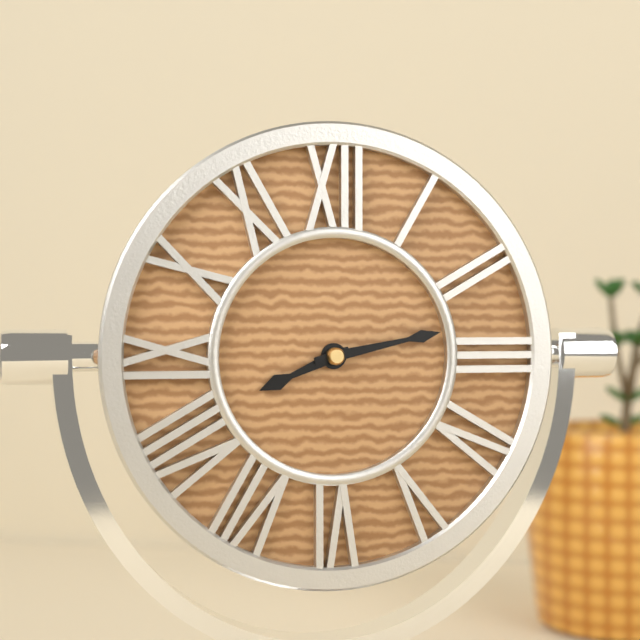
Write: 8,13
